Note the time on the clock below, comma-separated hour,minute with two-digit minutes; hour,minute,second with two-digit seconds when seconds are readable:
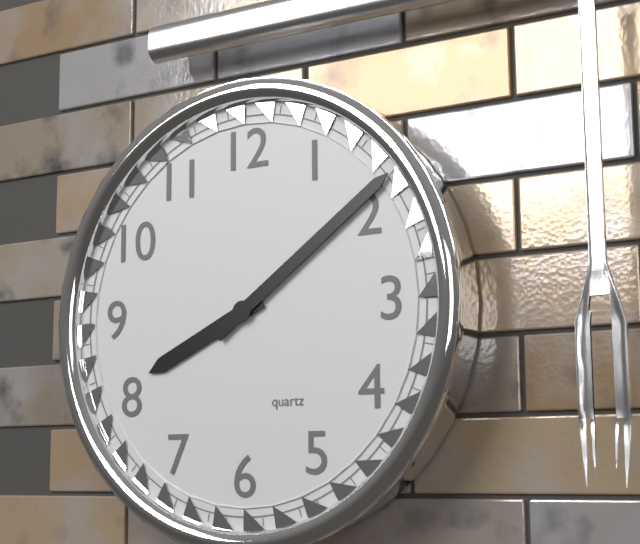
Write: 8,09
